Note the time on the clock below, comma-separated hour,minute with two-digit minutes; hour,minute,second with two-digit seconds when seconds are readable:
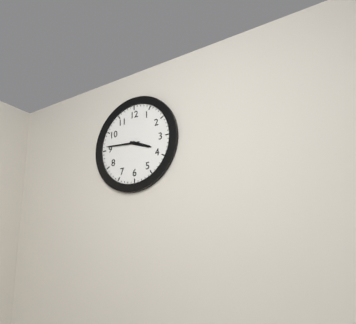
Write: 3,46
